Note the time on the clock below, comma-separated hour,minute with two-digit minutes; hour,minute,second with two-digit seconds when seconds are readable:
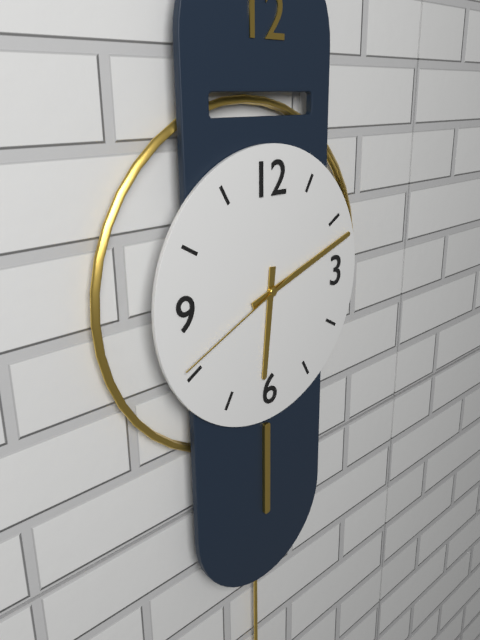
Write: 6,12,41
